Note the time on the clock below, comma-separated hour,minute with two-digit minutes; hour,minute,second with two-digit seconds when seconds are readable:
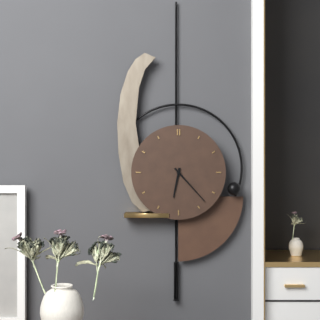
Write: 6,23
